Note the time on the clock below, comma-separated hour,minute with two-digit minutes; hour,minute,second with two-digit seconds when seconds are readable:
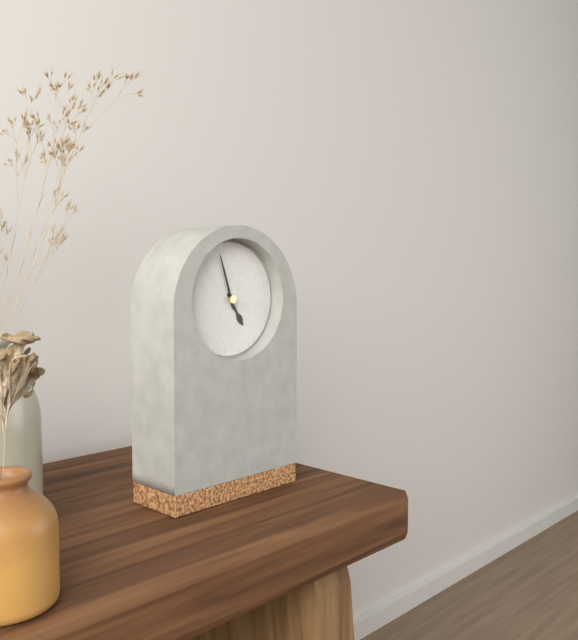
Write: 4,57
